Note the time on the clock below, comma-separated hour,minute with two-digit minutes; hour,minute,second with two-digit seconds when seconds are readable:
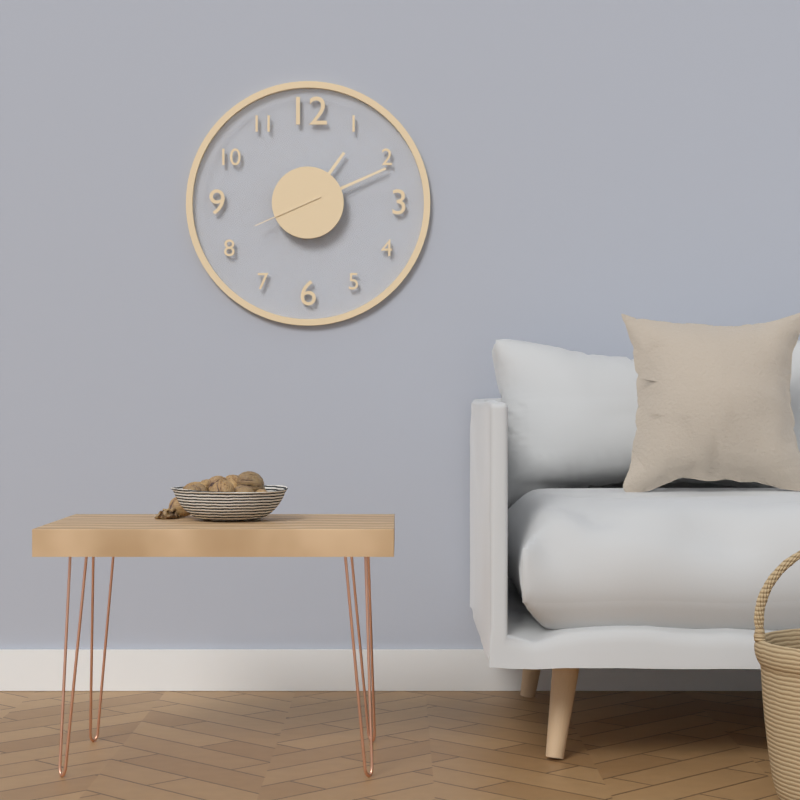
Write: 1,11,41
